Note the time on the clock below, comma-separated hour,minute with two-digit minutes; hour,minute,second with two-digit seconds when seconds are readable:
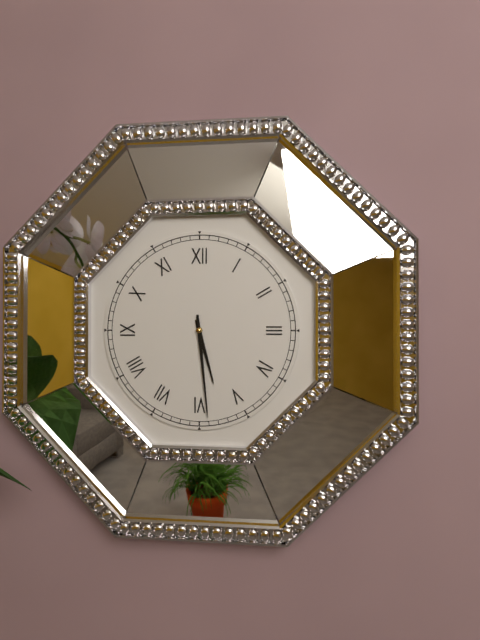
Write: 5,29
